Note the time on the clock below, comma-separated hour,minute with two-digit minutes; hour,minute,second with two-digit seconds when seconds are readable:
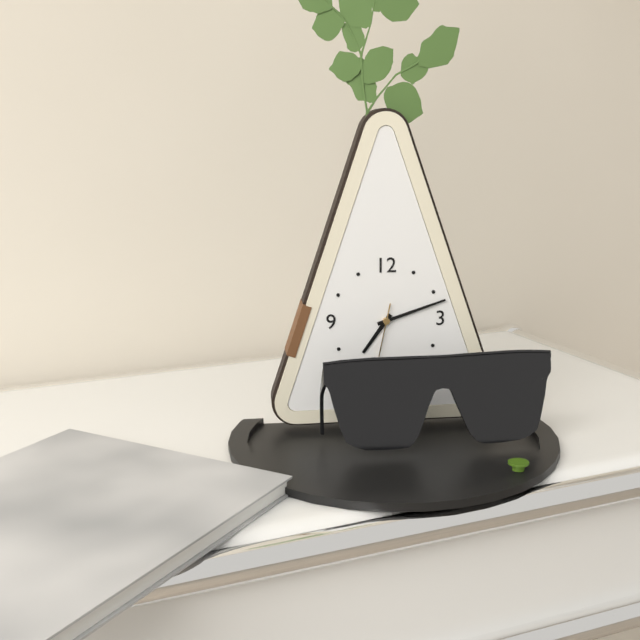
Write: 7,12
